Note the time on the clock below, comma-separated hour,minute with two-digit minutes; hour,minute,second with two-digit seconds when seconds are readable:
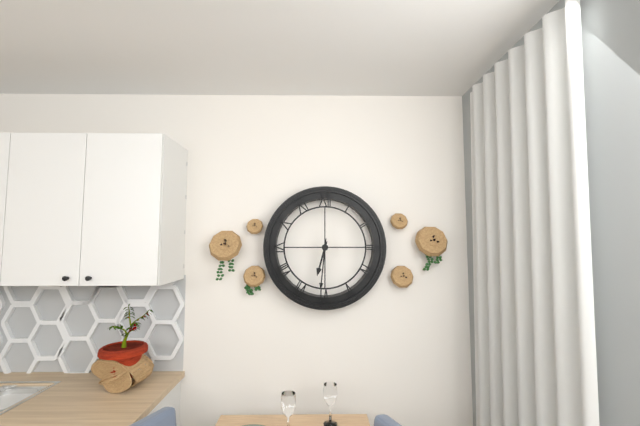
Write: 6,31
